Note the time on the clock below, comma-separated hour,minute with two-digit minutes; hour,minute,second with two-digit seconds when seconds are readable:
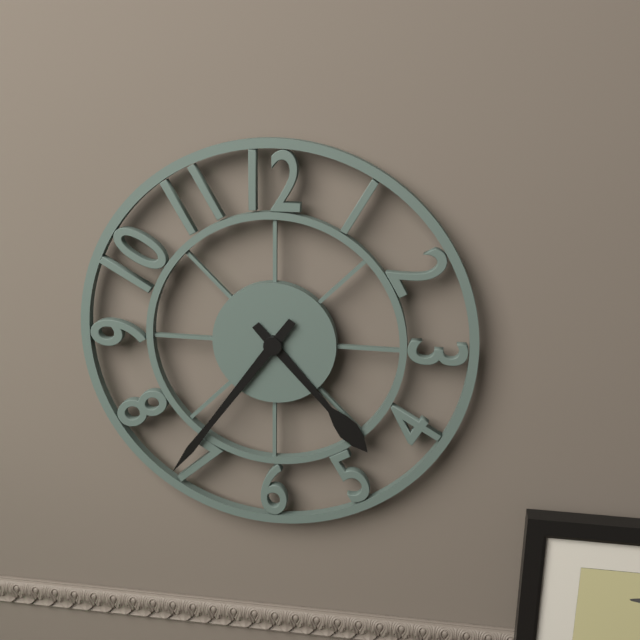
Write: 4,36
